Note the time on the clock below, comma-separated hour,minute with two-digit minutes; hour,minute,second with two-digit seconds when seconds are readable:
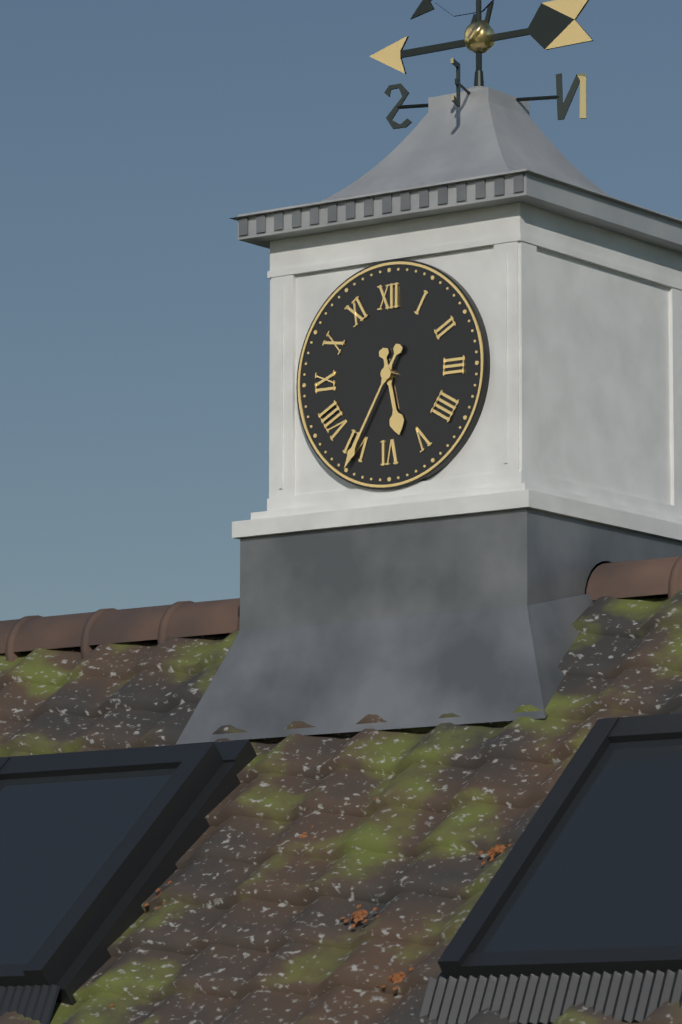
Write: 5,35
